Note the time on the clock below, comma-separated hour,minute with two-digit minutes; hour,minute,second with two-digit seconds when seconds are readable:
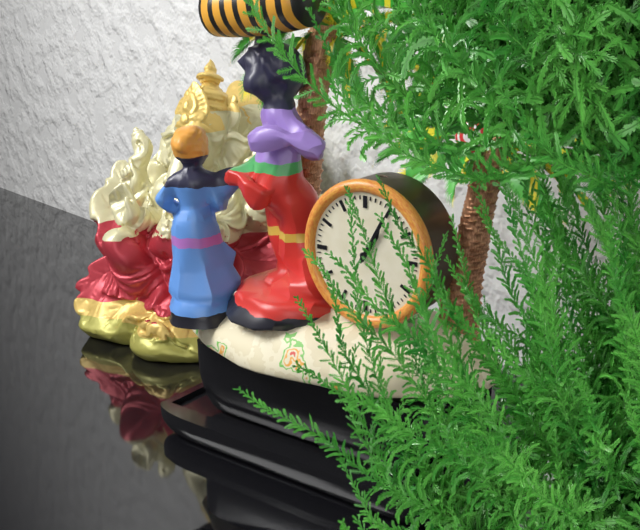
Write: 1,05
